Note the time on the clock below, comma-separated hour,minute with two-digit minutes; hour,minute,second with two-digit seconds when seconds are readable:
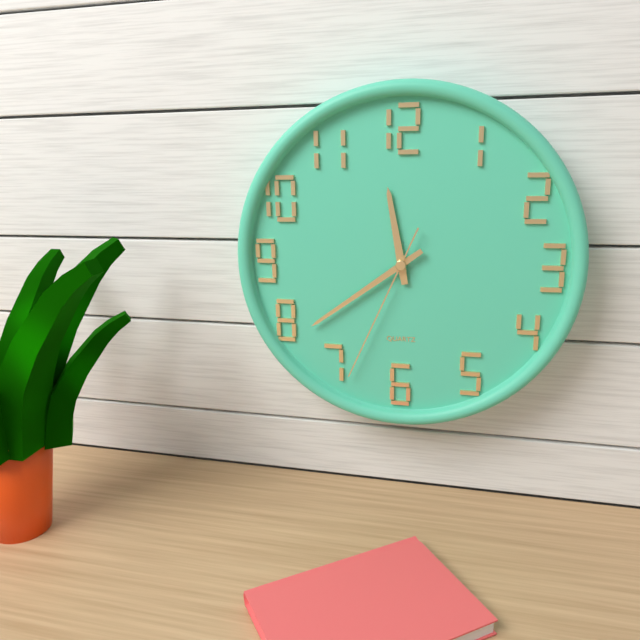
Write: 11,39,34
